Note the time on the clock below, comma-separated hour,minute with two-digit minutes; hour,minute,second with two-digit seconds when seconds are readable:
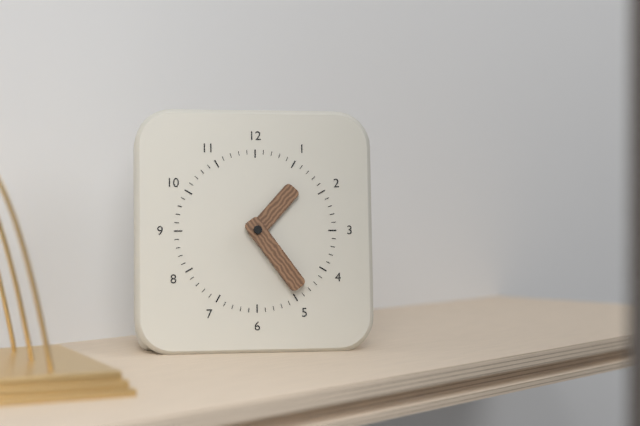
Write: 1,24
